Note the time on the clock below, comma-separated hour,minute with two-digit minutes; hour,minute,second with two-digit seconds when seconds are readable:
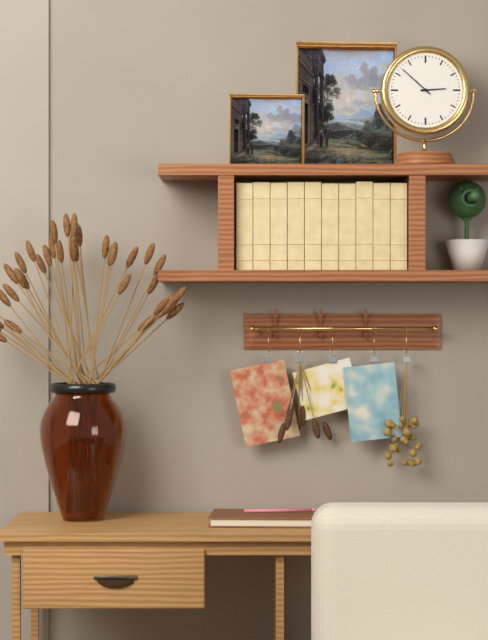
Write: 2,52
